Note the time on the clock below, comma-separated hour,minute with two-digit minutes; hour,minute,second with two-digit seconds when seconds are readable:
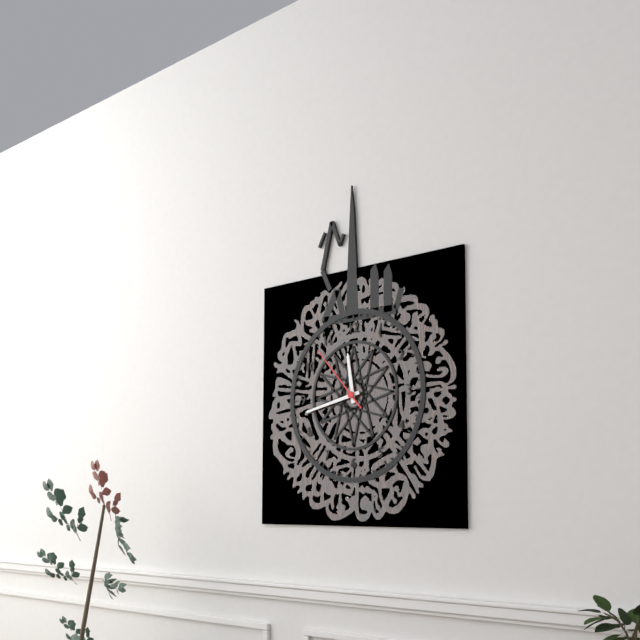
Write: 11,43,53
